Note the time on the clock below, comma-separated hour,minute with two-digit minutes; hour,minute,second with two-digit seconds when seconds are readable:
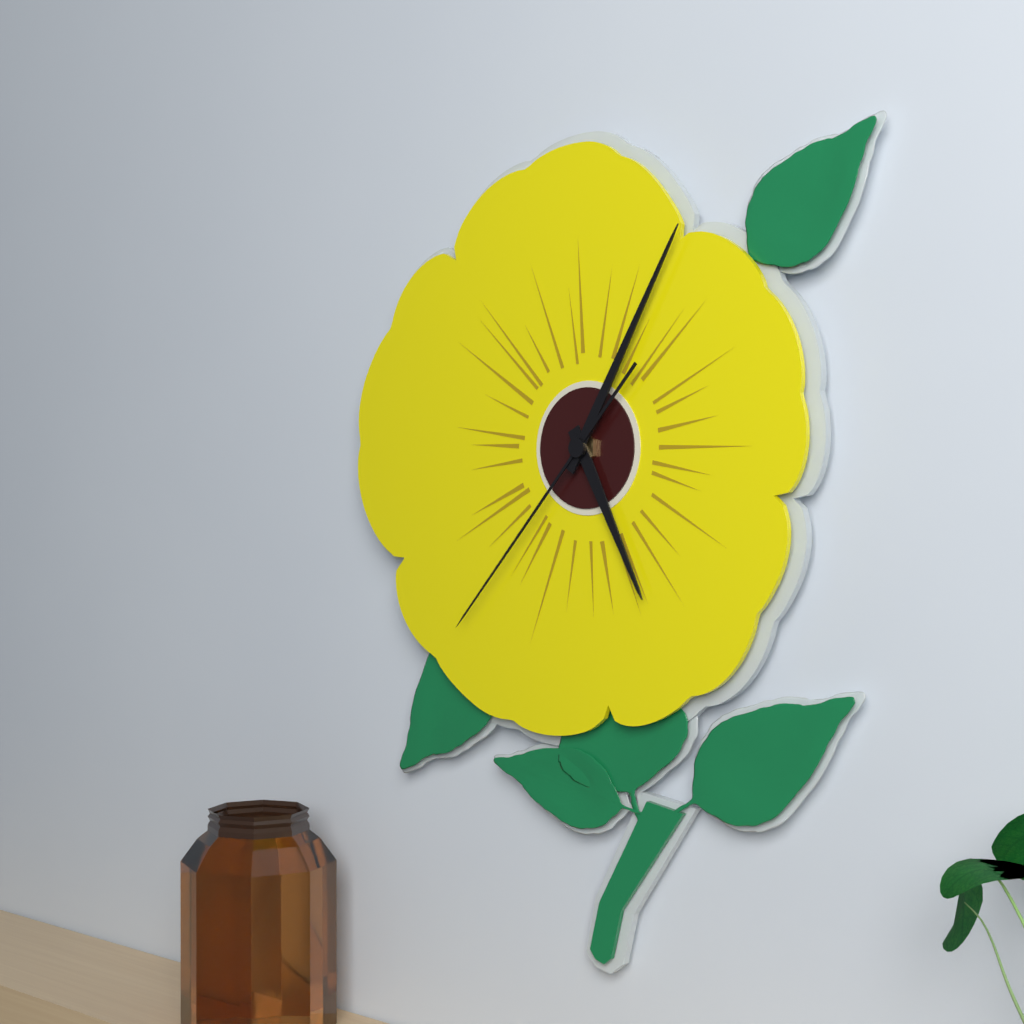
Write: 5,05,37
